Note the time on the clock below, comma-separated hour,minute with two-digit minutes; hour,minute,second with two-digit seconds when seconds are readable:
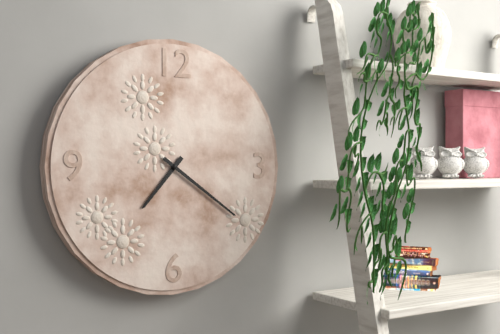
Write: 7,21
